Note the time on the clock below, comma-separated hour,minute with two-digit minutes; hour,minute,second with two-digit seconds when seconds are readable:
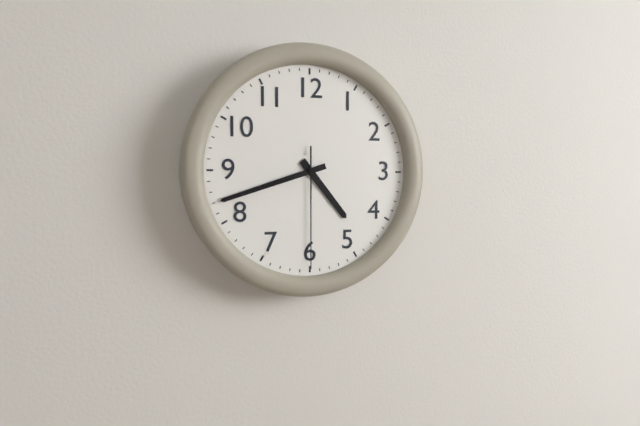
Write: 4,42,30
